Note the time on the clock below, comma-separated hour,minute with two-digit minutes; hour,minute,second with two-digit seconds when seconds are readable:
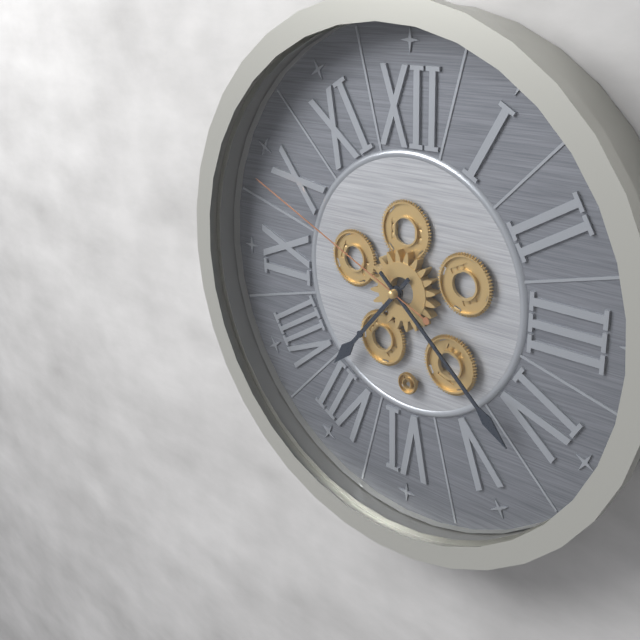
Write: 7,22,49
